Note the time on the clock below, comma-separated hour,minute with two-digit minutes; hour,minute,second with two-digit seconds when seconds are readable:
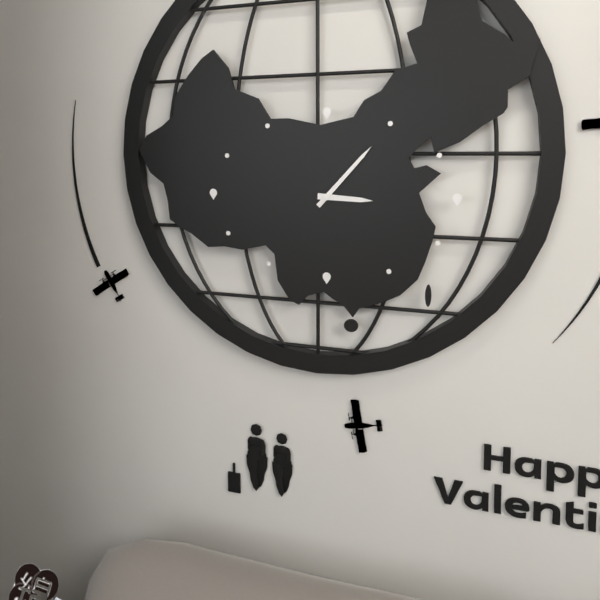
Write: 3,07
